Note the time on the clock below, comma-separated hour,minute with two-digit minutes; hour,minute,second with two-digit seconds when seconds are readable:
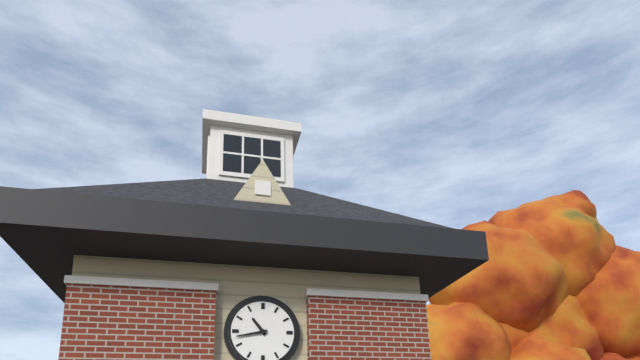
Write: 10,43
